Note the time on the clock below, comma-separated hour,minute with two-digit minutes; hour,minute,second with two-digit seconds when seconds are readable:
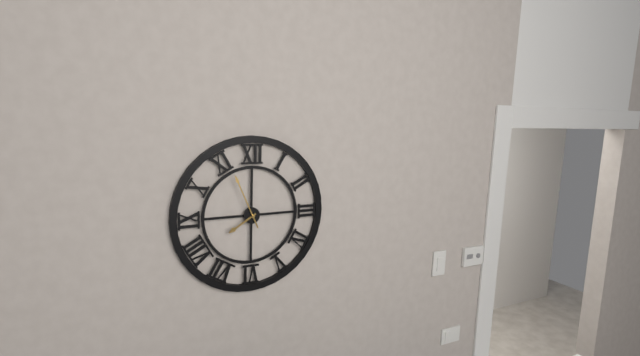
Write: 7,56
